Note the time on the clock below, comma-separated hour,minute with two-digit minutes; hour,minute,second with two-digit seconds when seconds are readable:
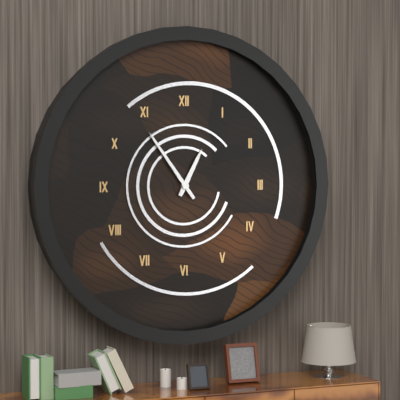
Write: 12,54
